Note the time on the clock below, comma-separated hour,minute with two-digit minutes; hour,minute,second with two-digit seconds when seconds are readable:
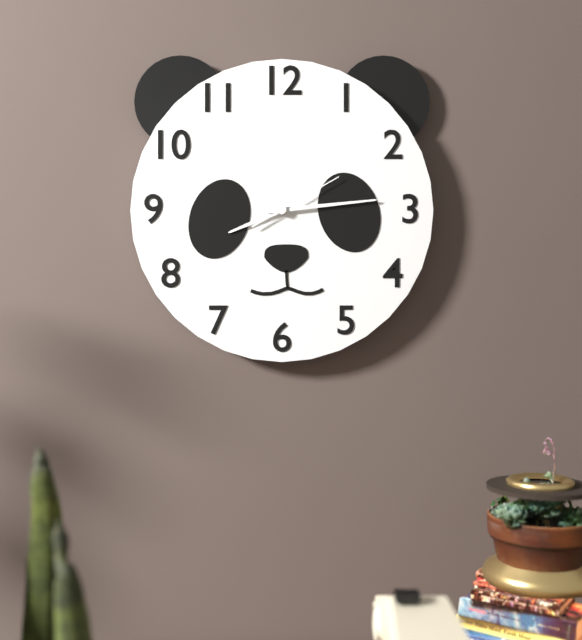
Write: 8,14,10
